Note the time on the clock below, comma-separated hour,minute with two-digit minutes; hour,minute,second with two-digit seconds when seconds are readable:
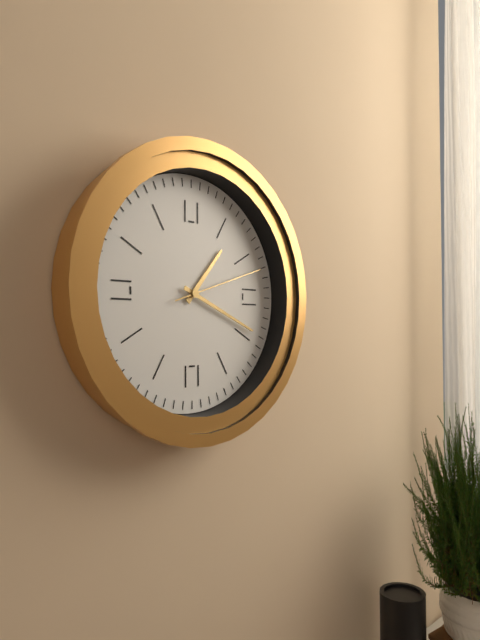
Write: 1,19,12
